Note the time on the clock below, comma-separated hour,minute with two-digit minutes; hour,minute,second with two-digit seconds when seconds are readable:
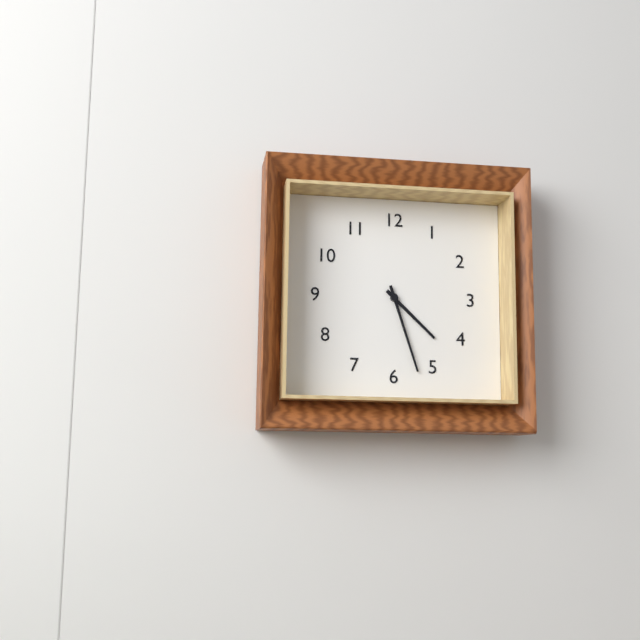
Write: 4,27
